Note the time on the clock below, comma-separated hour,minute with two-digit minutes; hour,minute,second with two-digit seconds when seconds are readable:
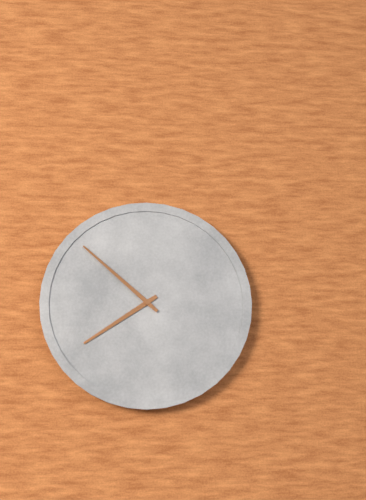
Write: 7,52
